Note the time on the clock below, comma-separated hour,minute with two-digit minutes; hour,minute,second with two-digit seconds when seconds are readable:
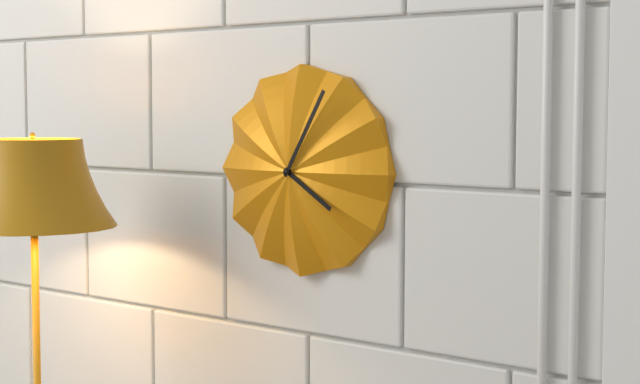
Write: 4,05
